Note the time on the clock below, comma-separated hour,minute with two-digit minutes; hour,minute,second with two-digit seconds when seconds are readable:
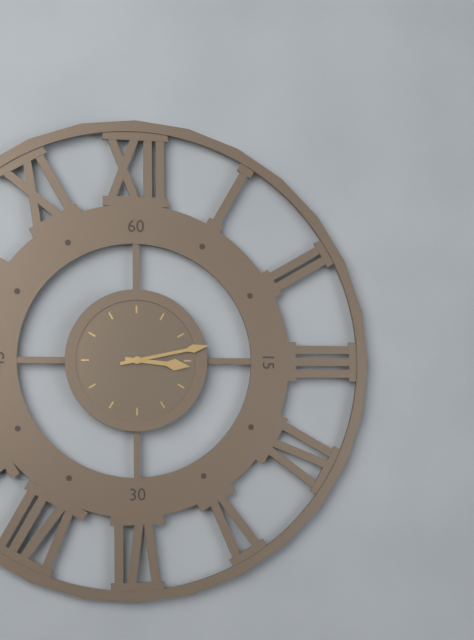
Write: 3,13
